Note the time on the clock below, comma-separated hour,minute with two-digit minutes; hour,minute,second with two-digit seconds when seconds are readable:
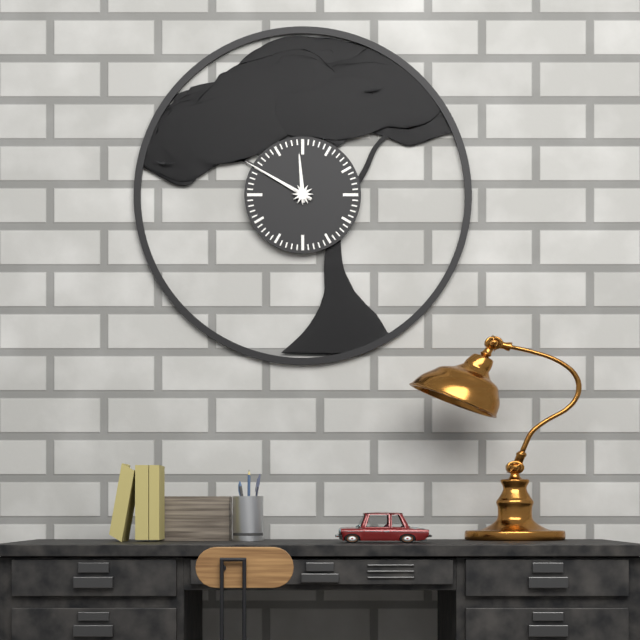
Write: 11,50
